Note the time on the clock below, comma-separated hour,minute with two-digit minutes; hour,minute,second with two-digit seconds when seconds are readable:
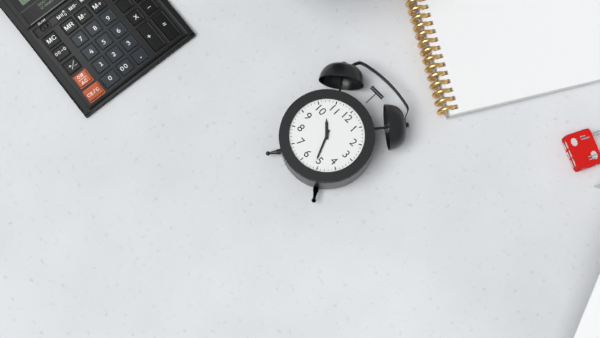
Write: 10,26
